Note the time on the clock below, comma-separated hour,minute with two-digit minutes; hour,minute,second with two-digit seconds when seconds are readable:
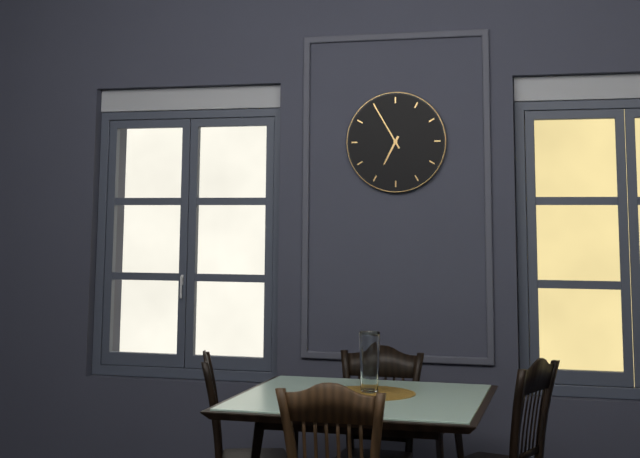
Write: 6,55
